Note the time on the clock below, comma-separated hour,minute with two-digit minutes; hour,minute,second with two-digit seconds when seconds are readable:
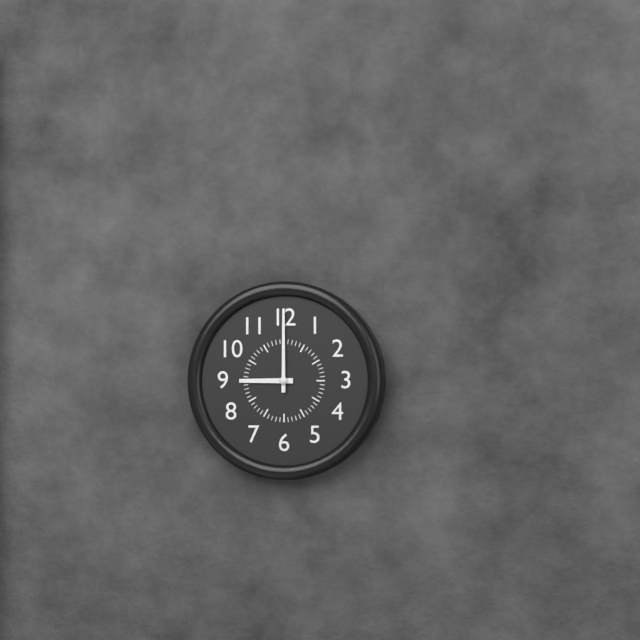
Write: 9,00
